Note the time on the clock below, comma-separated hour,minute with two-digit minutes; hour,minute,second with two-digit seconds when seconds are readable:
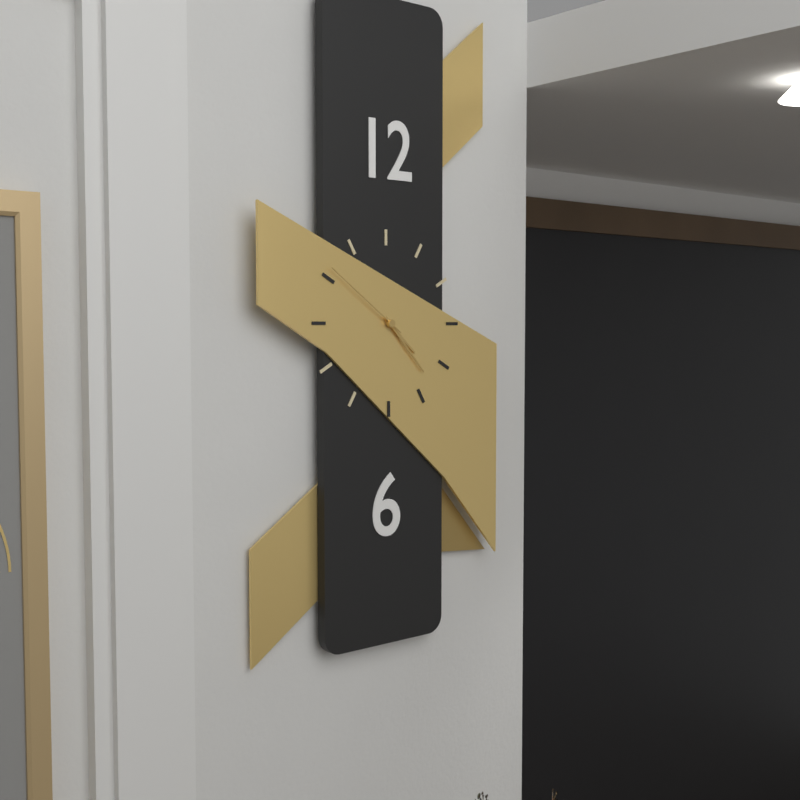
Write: 4,23,51
